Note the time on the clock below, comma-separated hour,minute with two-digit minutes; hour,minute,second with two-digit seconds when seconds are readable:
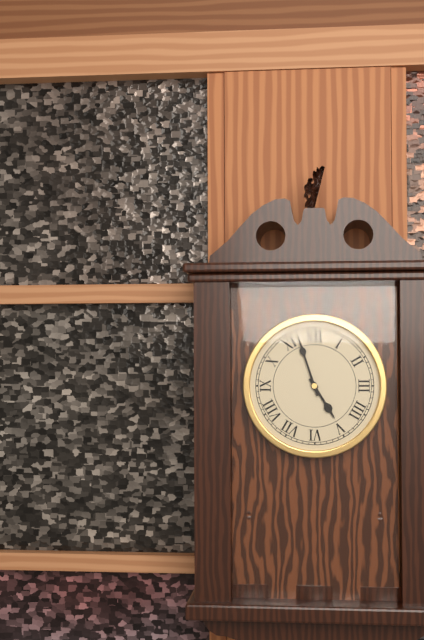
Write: 4,57
